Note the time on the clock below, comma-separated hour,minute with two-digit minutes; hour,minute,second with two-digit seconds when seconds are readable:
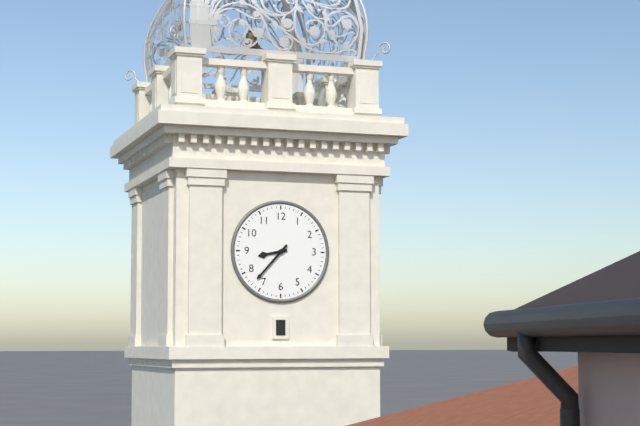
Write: 8,37
